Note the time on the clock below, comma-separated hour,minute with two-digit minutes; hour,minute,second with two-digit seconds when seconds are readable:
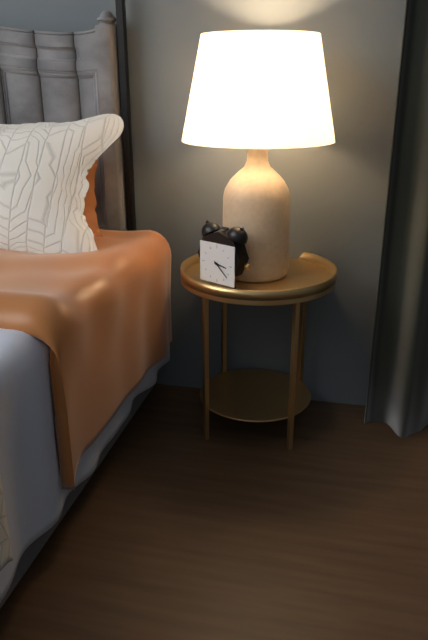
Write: 3,22
